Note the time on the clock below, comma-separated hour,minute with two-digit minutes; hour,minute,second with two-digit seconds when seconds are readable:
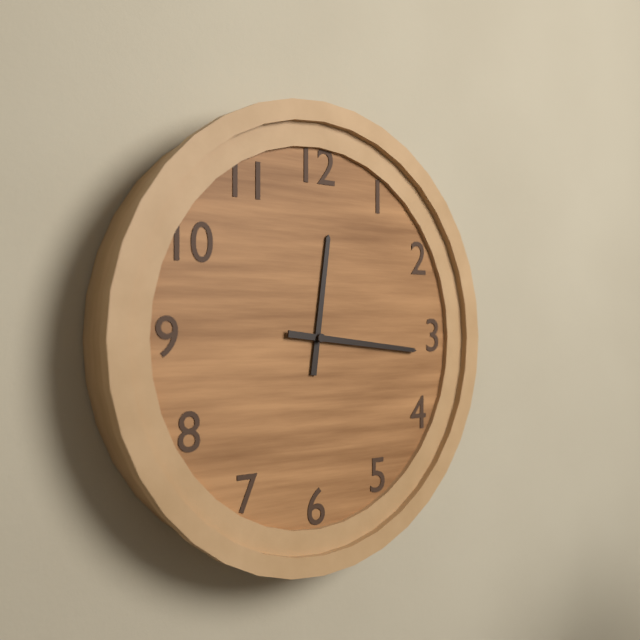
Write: 12,16
